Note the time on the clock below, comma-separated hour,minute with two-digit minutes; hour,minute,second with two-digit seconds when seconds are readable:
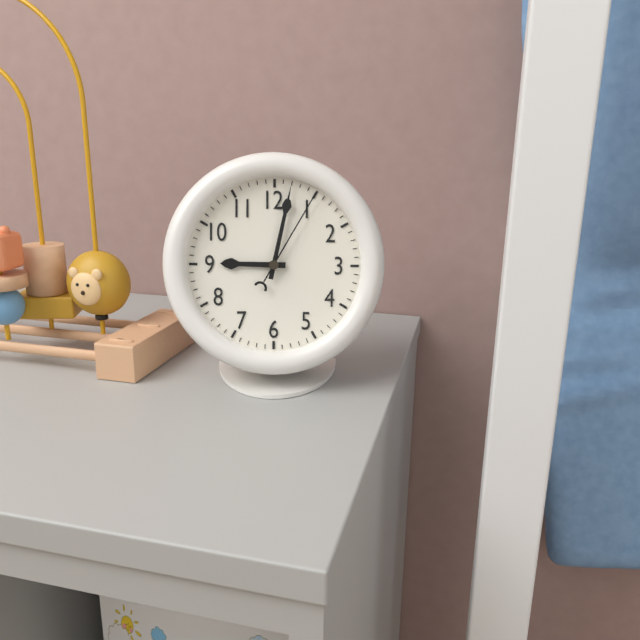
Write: 9,02,05
